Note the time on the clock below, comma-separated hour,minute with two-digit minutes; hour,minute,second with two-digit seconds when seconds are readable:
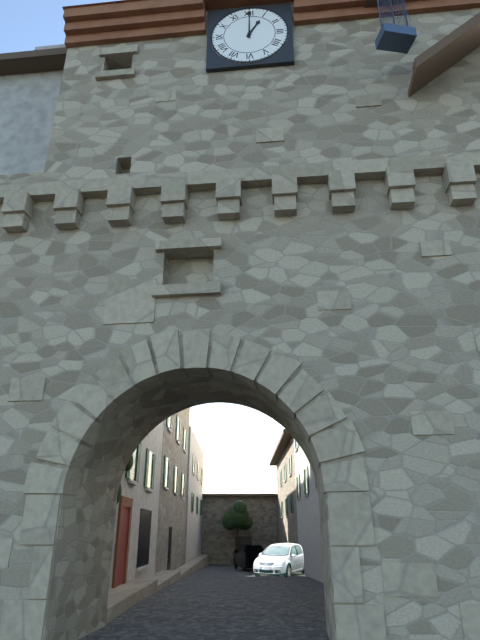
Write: 1,00
